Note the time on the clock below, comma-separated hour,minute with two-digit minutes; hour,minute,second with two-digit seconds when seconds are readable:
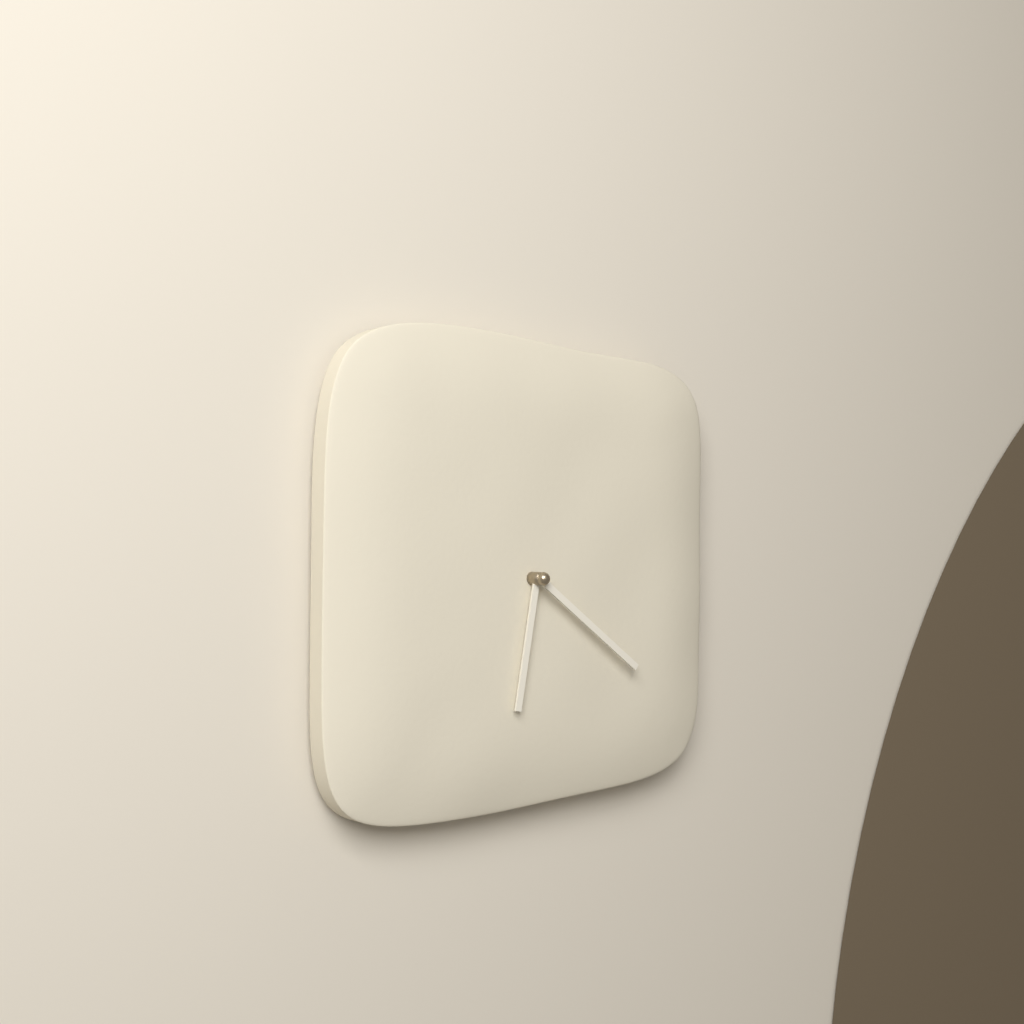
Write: 6,21
